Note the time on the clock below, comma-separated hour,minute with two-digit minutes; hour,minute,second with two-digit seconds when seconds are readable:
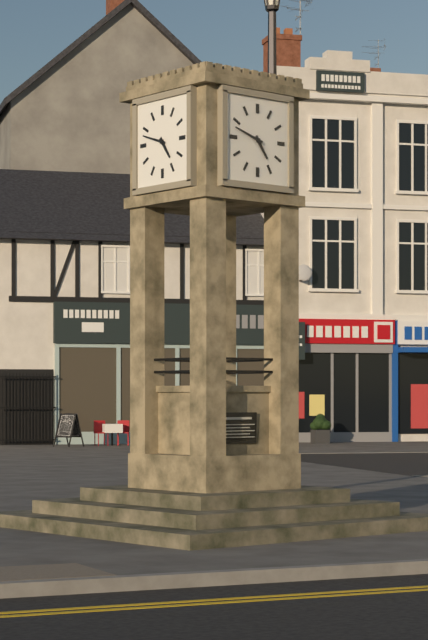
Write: 4,48
